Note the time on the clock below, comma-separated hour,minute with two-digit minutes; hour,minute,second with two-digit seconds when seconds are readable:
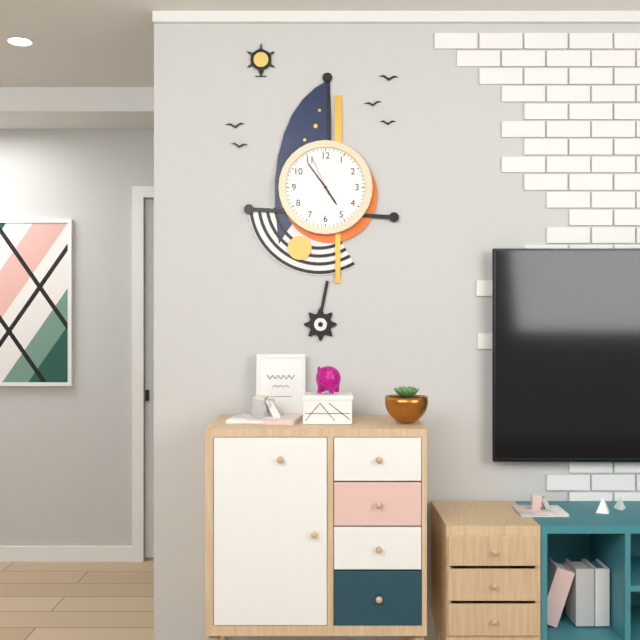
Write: 4,54
